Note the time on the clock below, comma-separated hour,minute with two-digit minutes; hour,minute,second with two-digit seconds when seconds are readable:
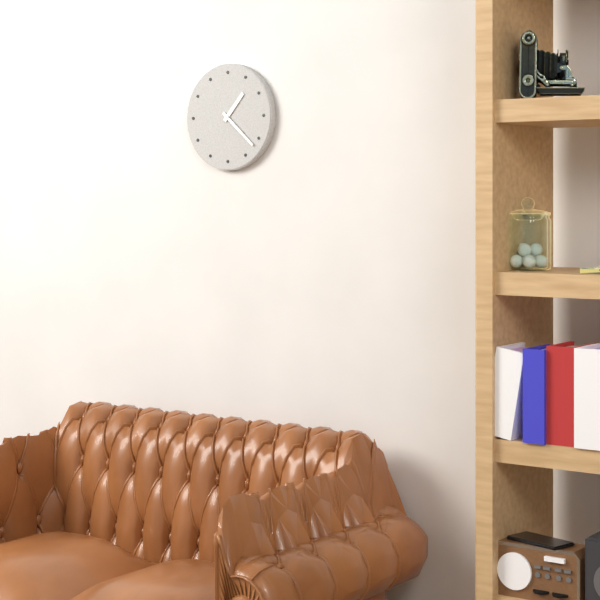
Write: 1,22
